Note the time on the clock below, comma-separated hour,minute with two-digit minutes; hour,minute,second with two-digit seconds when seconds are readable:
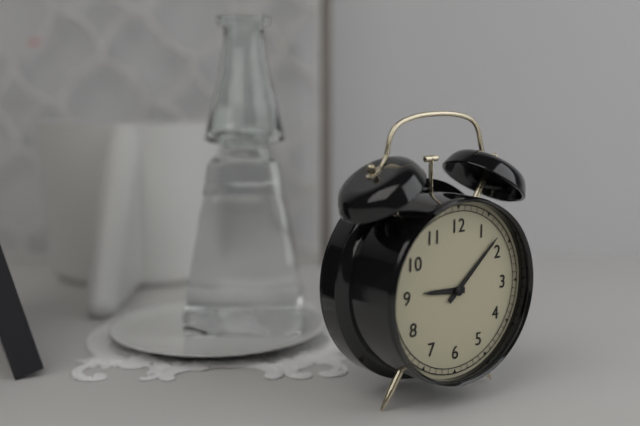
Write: 9,08
